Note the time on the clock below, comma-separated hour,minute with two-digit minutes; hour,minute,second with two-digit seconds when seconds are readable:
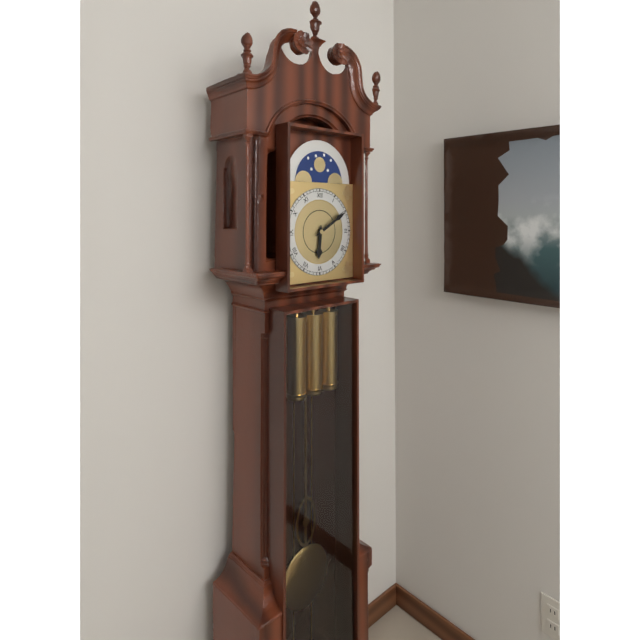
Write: 6,10
